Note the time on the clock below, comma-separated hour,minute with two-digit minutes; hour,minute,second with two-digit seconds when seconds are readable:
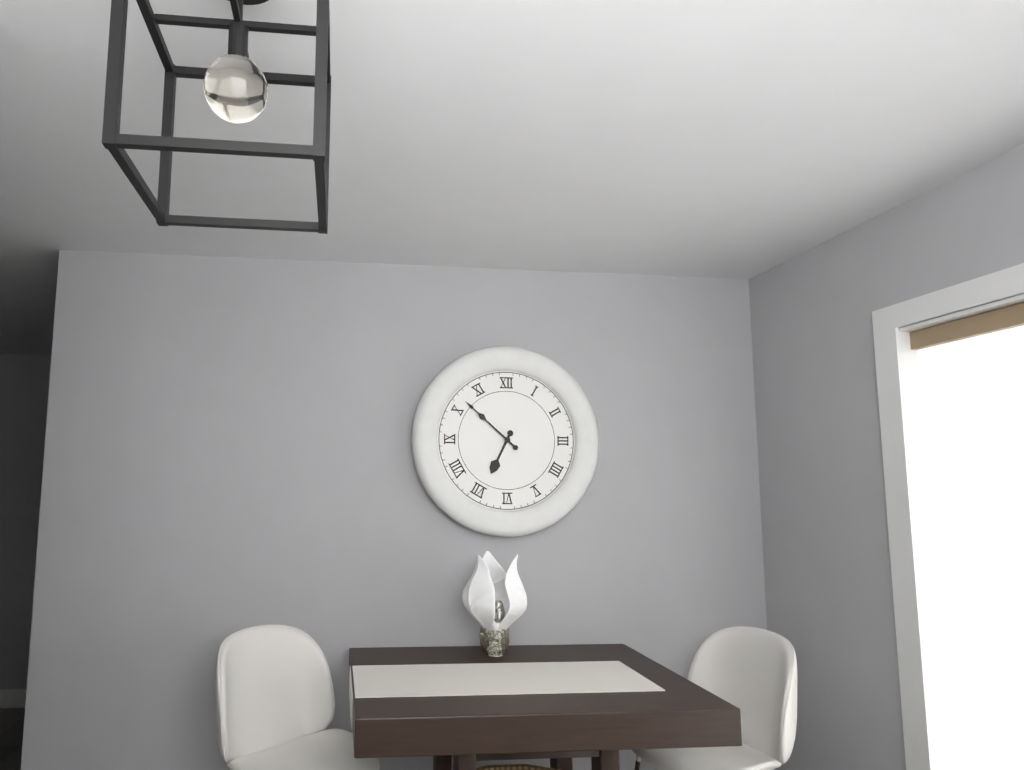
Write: 6,52
